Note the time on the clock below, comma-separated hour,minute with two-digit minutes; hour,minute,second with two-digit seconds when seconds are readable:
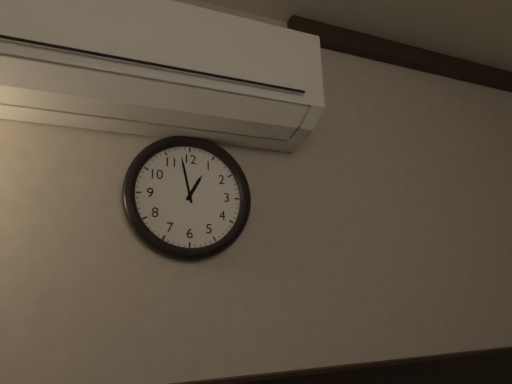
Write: 12,58
